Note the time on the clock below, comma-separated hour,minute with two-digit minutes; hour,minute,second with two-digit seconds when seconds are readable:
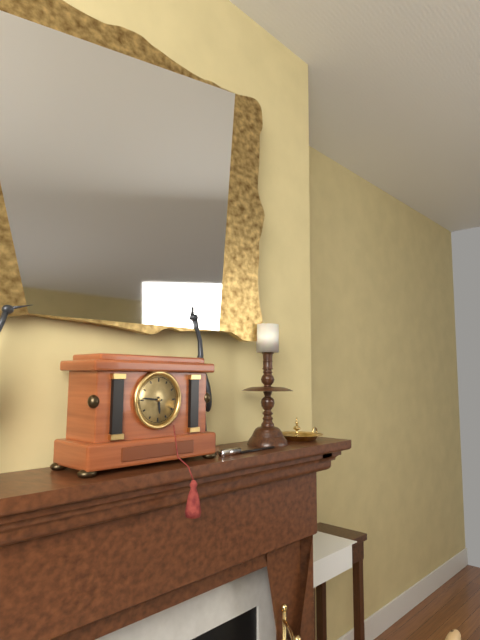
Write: 5,46
